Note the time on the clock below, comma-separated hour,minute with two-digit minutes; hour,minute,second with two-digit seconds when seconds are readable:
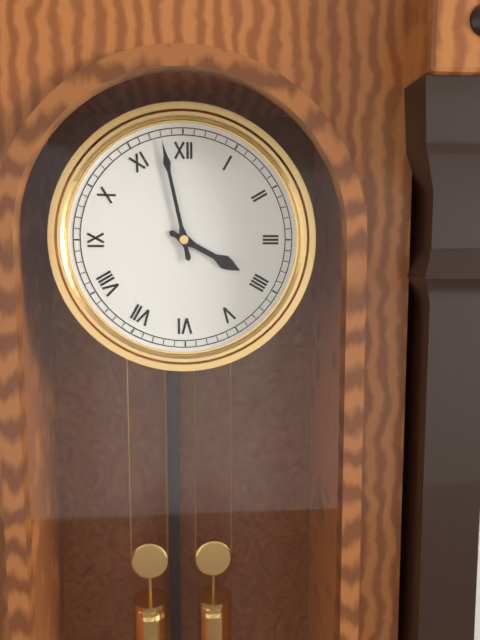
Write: 3,58
